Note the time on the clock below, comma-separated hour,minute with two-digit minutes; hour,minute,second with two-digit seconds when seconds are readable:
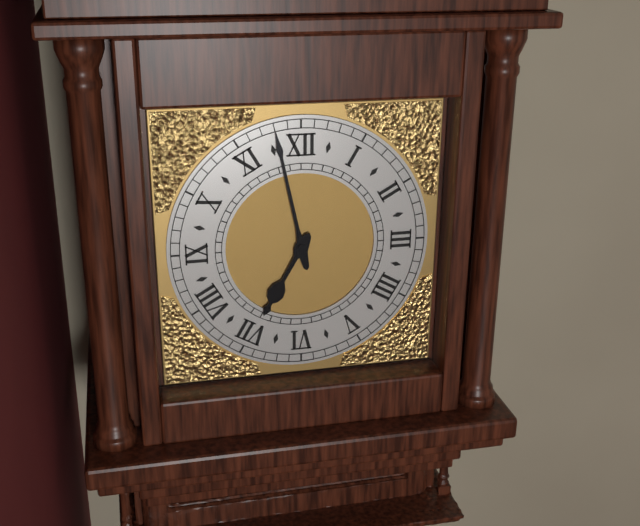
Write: 6,58
